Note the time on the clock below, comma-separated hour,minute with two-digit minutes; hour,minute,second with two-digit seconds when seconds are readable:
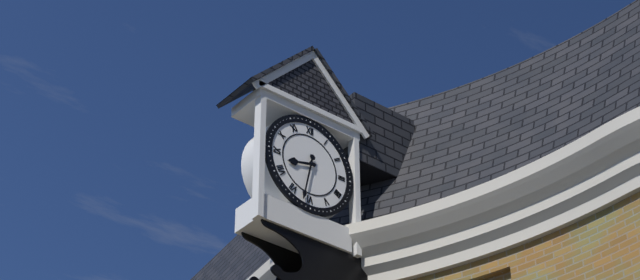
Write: 8,32
